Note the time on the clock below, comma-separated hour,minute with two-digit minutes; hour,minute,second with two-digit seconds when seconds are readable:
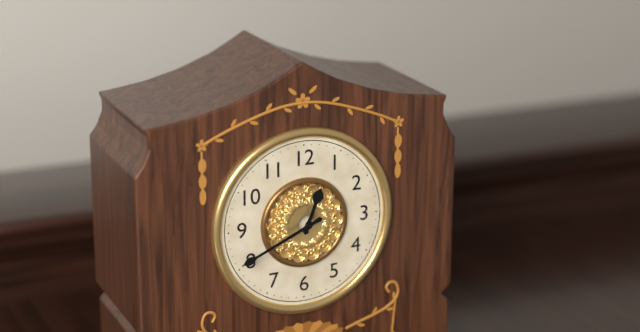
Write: 12,41
